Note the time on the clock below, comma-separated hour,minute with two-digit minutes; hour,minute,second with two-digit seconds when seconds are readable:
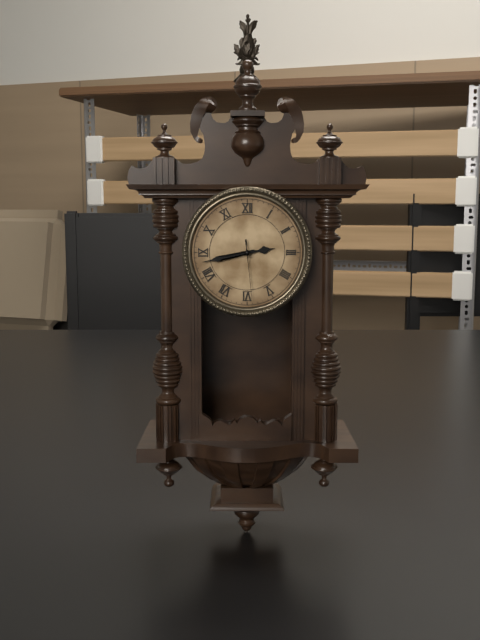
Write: 2,43,29
